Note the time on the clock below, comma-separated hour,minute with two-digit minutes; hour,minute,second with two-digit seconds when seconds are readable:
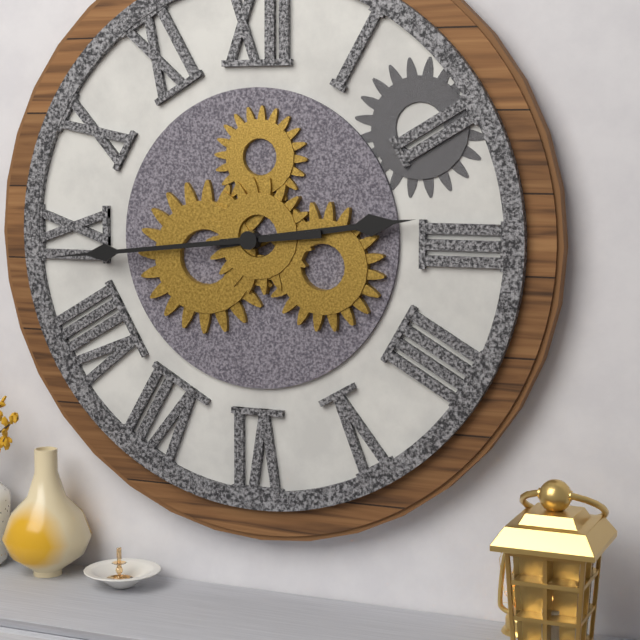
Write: 2,44
